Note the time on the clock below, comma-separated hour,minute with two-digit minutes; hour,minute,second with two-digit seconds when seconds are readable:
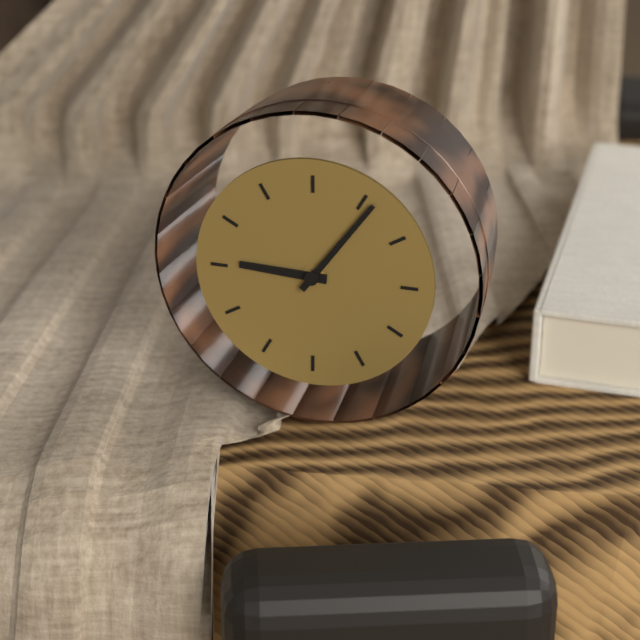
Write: 9,06
